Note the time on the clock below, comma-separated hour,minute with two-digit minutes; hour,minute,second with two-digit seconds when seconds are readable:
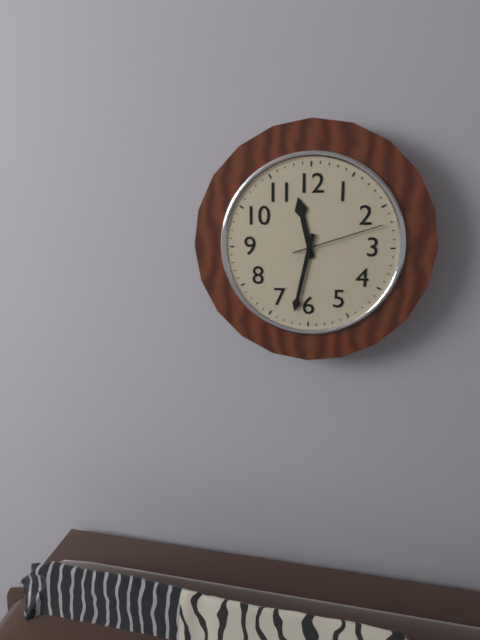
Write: 11,32,12
